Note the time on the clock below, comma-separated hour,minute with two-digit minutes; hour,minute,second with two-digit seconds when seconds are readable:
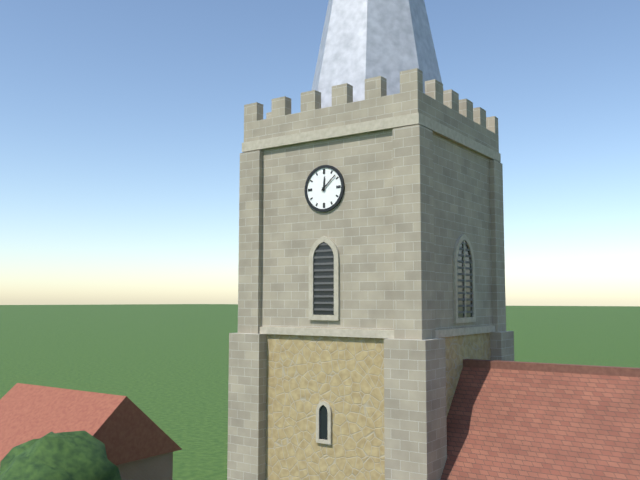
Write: 12,08
